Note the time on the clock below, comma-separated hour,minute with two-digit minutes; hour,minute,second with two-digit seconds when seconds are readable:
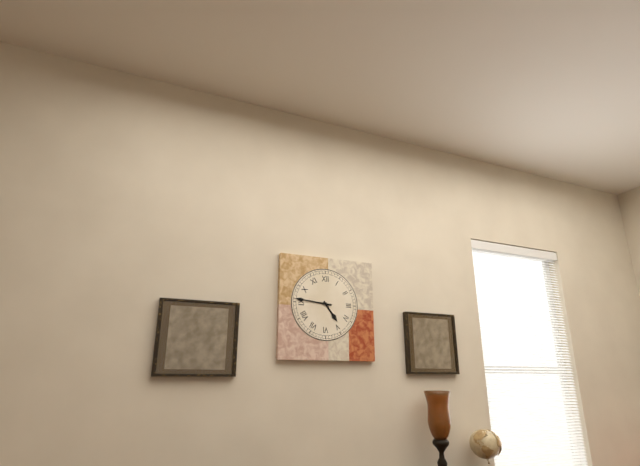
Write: 4,46
